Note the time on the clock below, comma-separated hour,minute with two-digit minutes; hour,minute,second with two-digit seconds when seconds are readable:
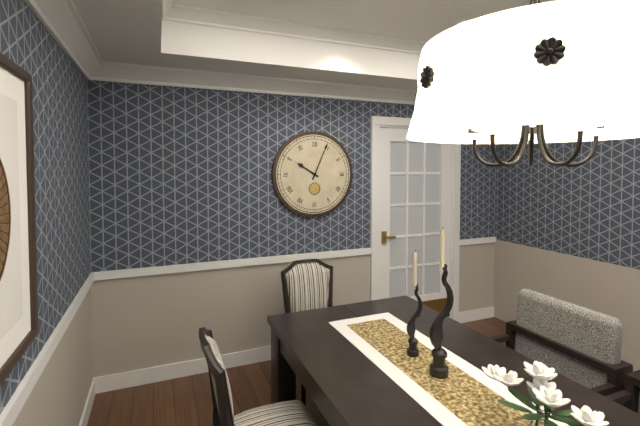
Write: 10,04
